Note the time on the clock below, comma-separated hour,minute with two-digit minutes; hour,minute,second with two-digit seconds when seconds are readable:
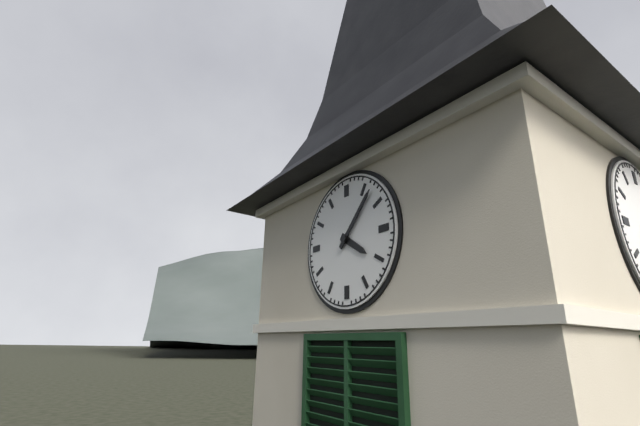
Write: 4,07
